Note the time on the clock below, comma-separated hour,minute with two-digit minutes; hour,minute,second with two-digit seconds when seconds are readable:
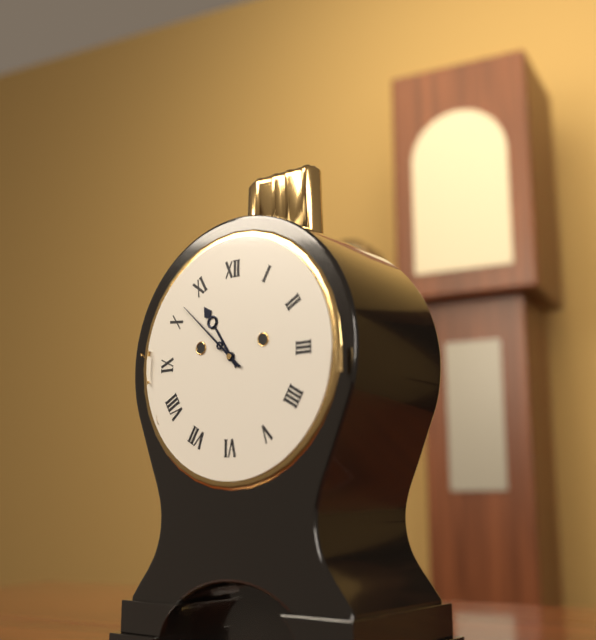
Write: 10,52
